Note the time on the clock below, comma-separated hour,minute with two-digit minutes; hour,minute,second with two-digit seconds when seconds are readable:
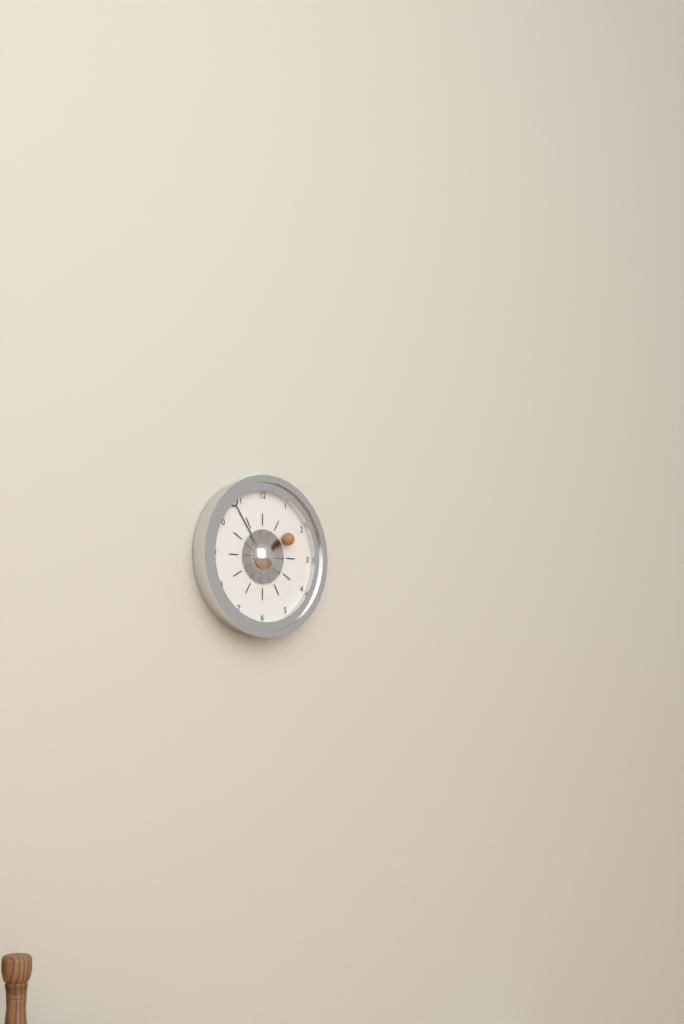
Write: 1,54
